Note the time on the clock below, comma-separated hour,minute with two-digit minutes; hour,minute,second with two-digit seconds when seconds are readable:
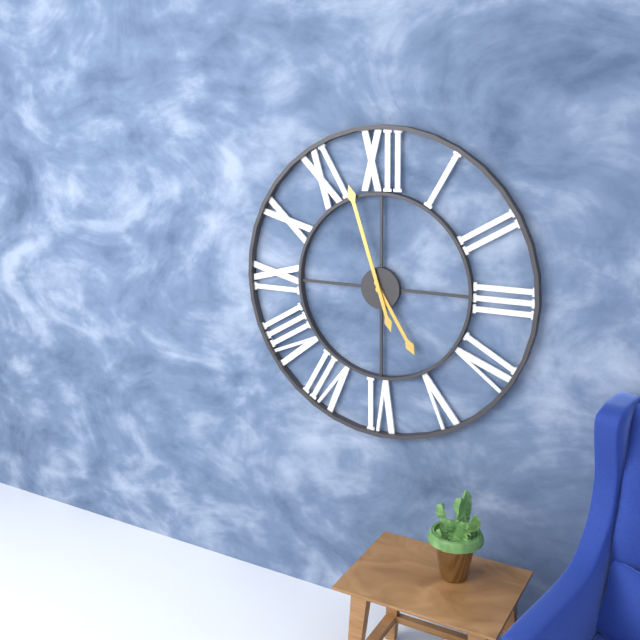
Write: 4,57
